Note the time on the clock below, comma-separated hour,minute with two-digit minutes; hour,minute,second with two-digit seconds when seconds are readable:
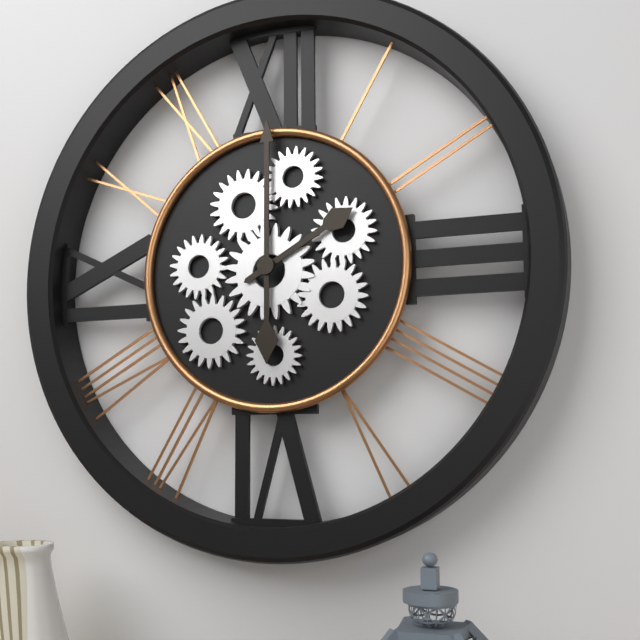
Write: 2,00
